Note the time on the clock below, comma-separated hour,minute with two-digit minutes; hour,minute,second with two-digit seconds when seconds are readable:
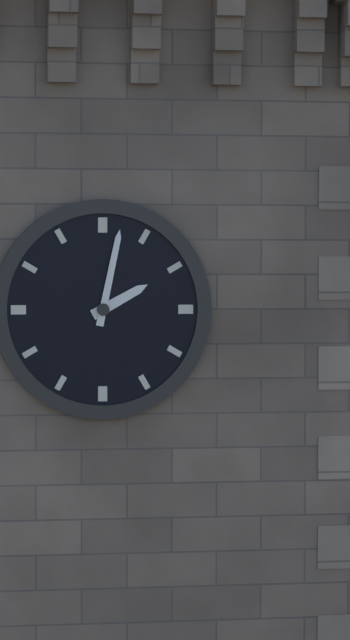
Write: 2,02
